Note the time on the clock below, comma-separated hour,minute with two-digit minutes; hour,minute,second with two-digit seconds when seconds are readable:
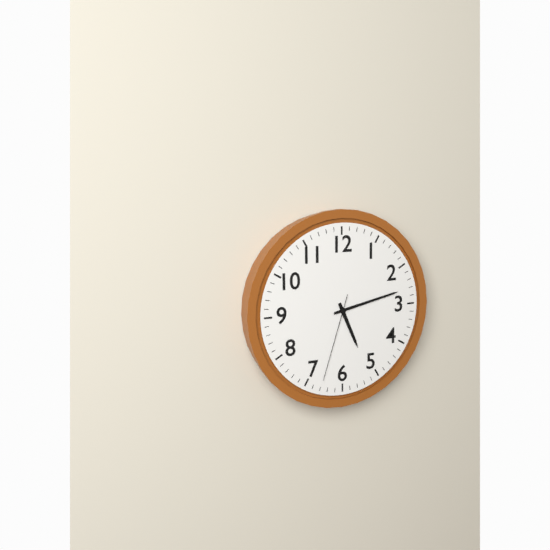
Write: 5,13,33
